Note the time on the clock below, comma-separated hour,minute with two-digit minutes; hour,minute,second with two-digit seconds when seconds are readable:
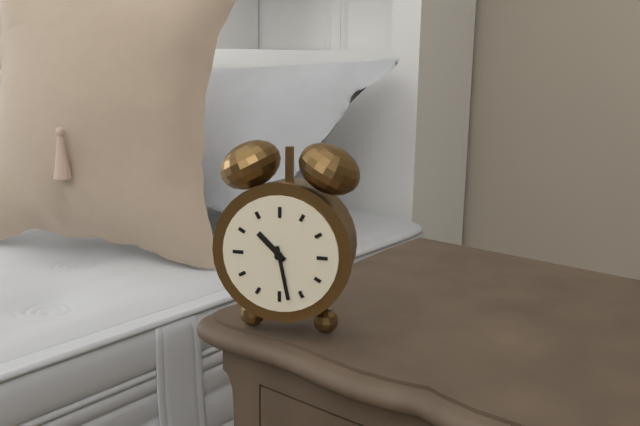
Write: 10,28
